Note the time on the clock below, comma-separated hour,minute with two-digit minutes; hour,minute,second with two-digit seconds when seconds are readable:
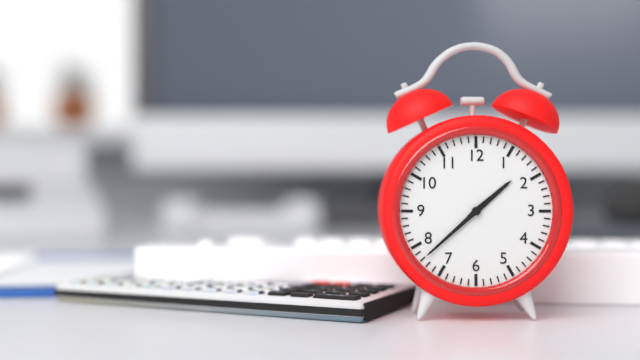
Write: 1,38
